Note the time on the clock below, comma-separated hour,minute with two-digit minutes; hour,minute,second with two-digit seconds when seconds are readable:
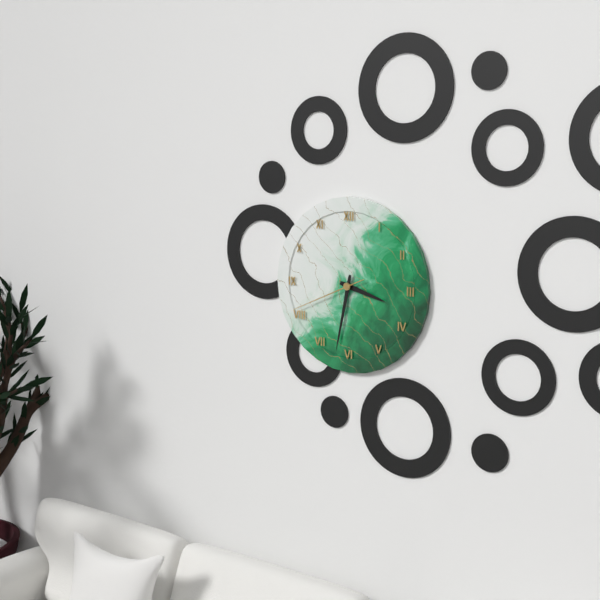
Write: 3,32,41
